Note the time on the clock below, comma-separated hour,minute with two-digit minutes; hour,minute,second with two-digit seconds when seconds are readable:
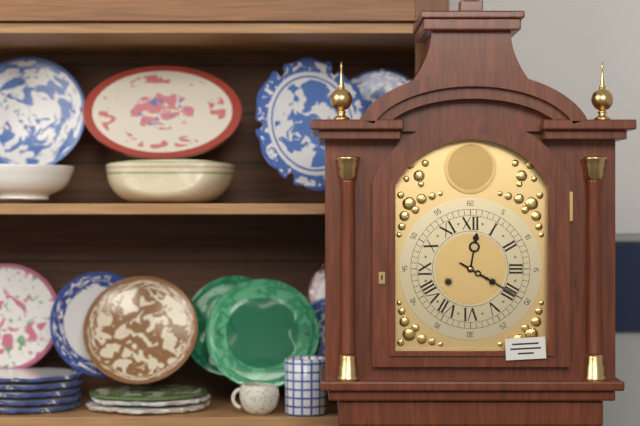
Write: 12,20
